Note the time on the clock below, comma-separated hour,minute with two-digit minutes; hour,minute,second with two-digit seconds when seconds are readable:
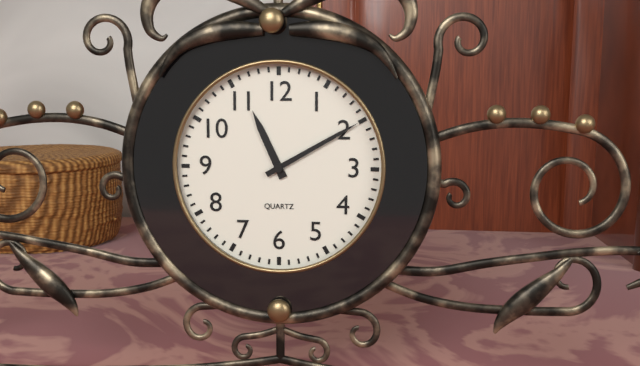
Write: 11,10
